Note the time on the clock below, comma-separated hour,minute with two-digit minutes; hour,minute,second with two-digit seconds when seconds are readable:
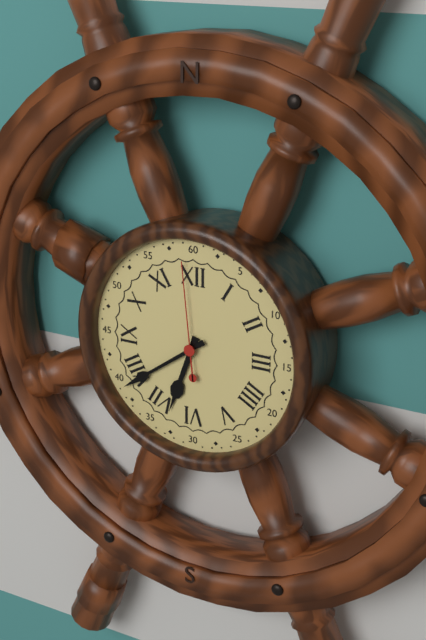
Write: 6,39,59
